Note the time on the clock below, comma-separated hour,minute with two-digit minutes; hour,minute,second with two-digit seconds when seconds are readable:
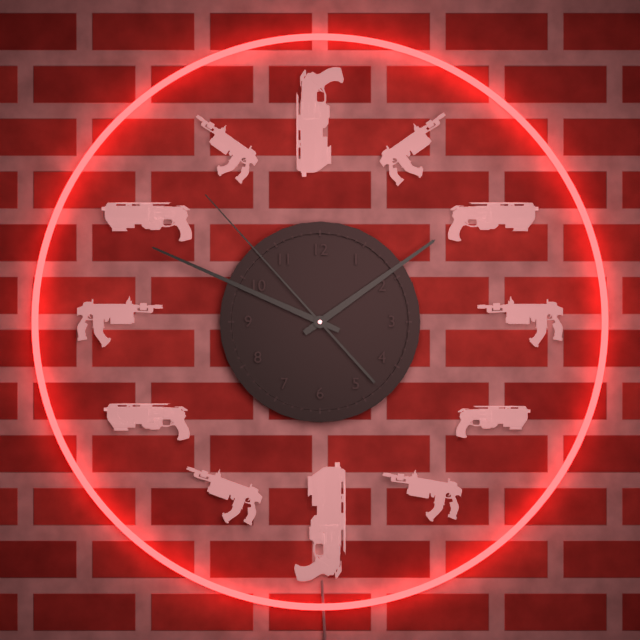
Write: 1,49,53
